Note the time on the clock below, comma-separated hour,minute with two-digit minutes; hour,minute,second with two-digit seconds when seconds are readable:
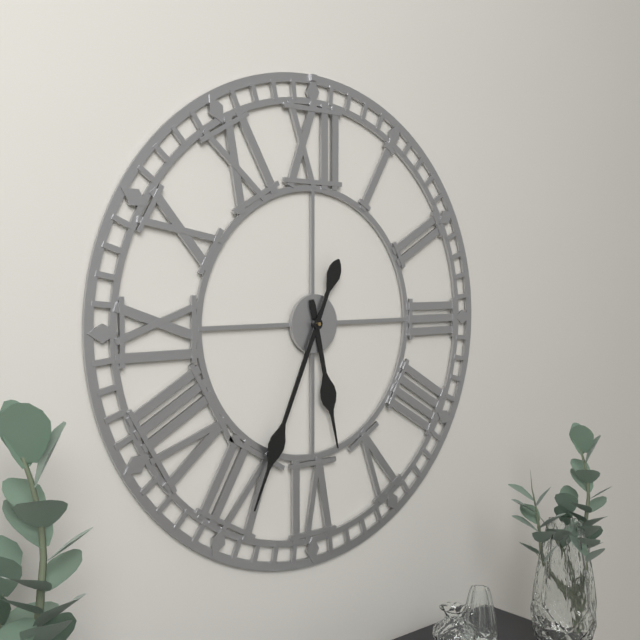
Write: 5,34
